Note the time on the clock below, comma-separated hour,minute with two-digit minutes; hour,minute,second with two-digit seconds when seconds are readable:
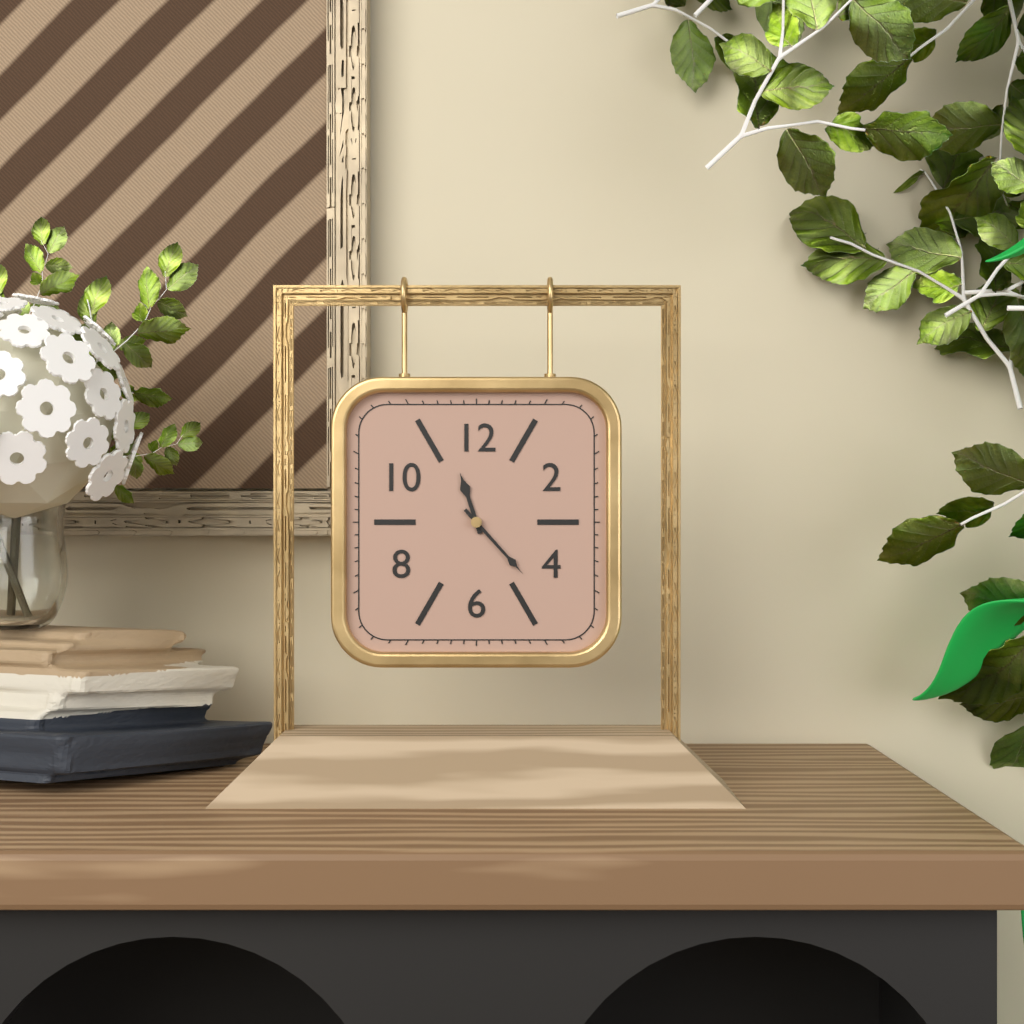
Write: 11,23
